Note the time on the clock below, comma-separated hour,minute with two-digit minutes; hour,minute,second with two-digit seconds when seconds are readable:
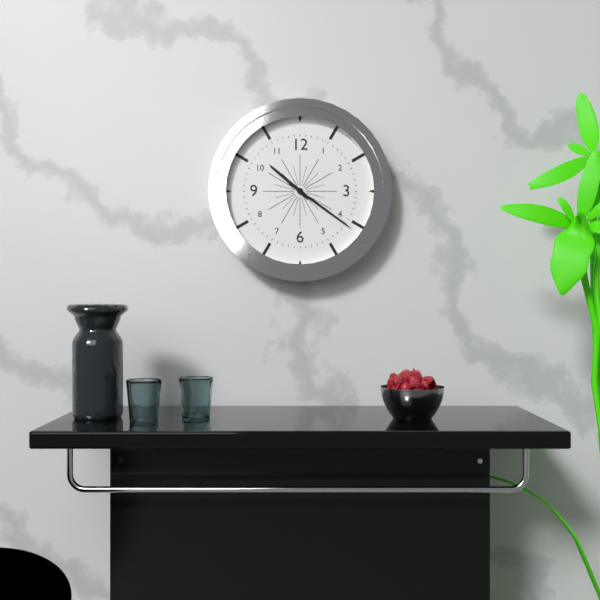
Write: 10,21
